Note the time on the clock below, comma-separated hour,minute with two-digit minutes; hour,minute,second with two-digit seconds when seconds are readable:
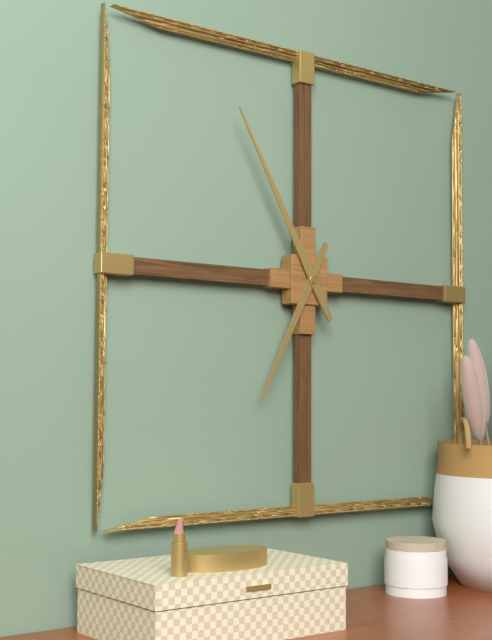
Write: 6,55
